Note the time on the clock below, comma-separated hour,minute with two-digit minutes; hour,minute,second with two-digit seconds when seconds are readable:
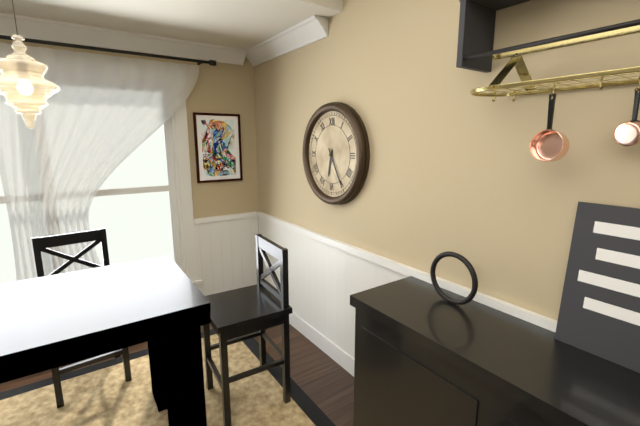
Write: 6,25
